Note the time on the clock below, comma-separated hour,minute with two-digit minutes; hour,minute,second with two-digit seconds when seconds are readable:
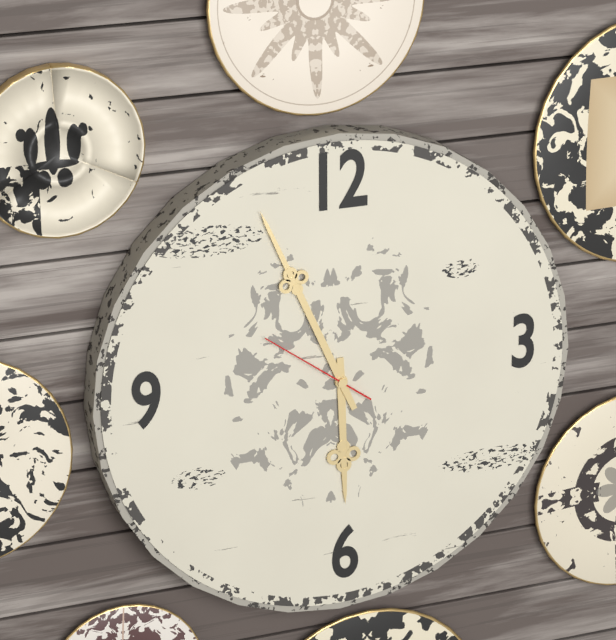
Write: 5,56,51
